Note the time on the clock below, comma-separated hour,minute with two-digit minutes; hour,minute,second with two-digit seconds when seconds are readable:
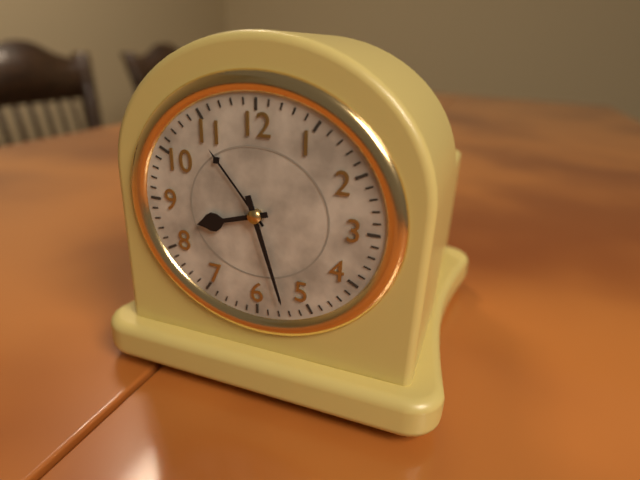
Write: 8,27
